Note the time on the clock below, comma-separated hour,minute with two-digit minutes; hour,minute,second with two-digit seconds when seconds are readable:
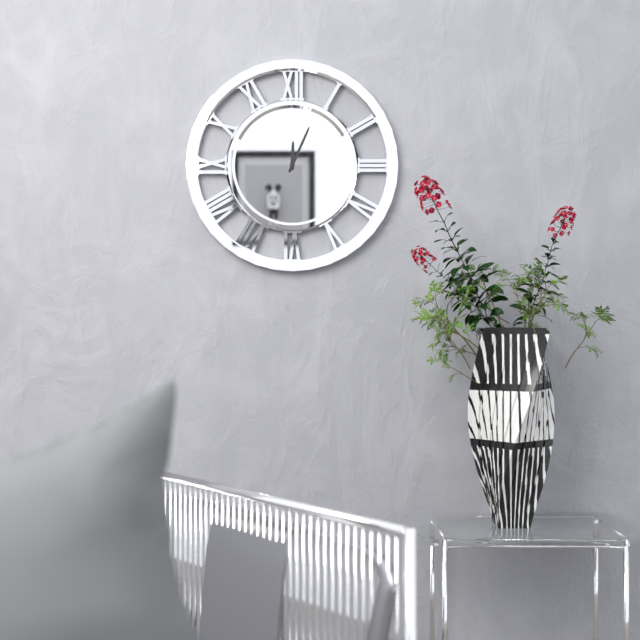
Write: 12,04
